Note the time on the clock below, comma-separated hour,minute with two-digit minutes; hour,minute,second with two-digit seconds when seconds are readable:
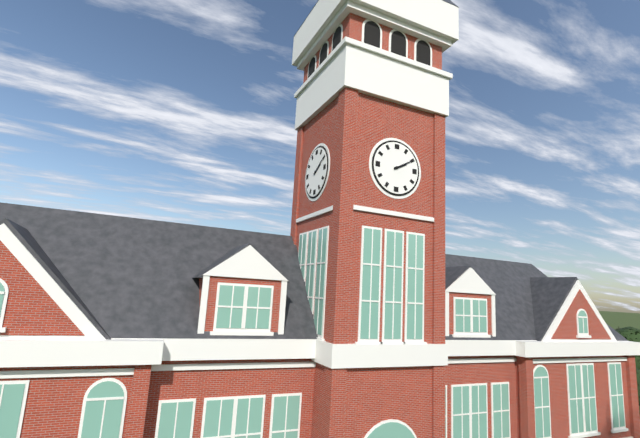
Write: 2,10
